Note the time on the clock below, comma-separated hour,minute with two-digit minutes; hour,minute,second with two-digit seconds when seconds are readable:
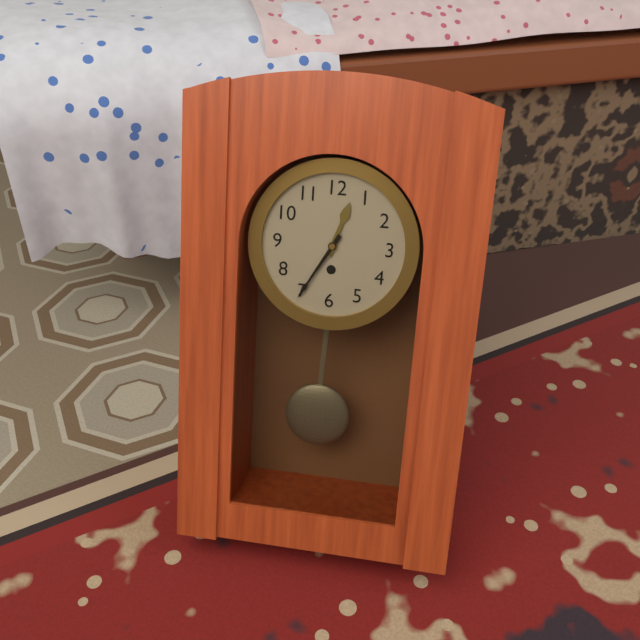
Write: 12,35
